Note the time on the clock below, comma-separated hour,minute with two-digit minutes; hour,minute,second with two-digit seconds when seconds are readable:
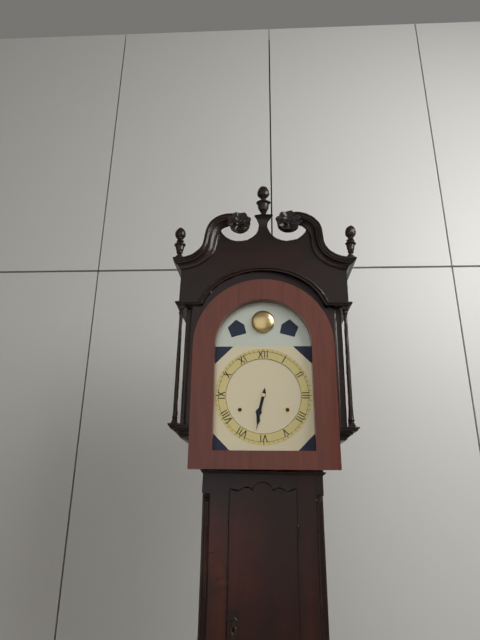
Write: 6,32
